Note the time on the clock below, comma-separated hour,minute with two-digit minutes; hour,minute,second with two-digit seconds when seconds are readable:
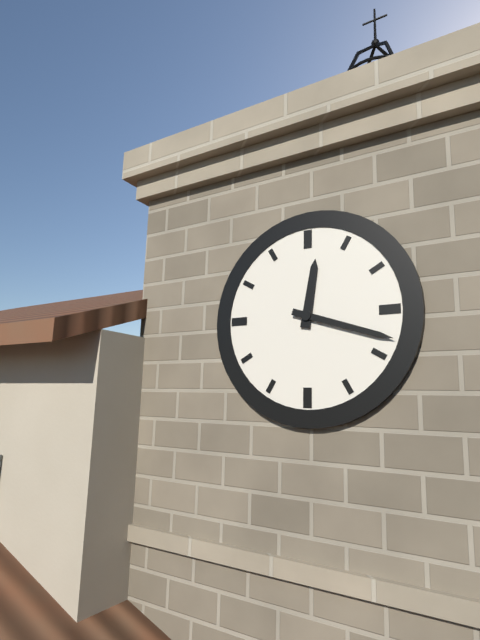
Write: 12,18
